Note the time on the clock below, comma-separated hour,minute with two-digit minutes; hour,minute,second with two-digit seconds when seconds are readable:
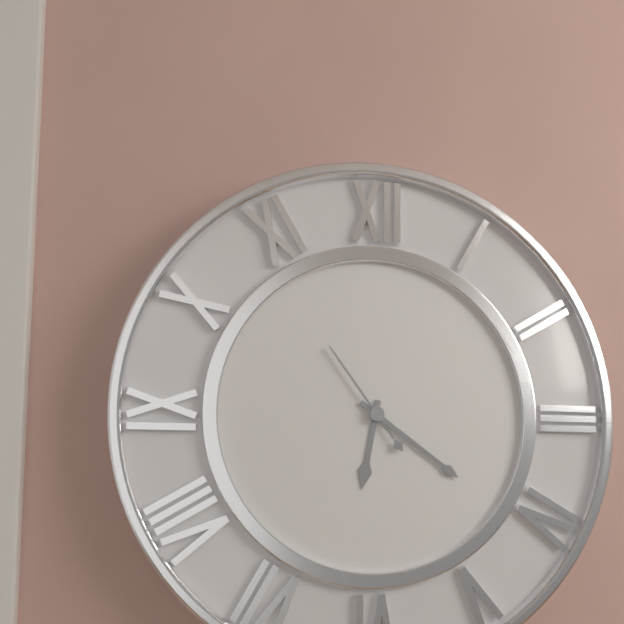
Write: 6,21,54
